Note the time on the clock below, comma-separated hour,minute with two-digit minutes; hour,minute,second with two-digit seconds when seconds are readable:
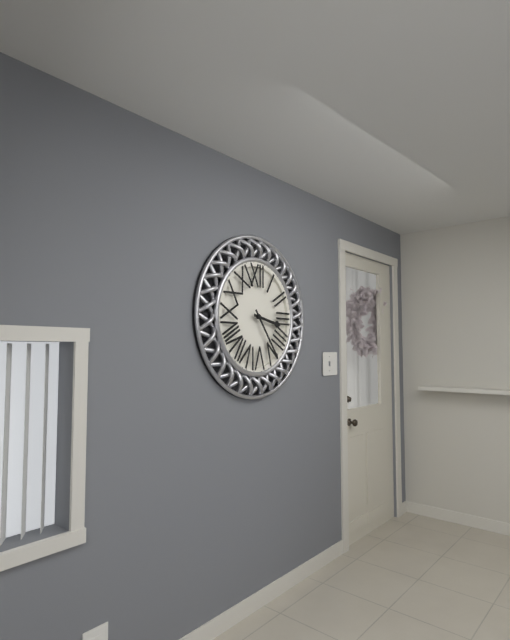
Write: 3,24
